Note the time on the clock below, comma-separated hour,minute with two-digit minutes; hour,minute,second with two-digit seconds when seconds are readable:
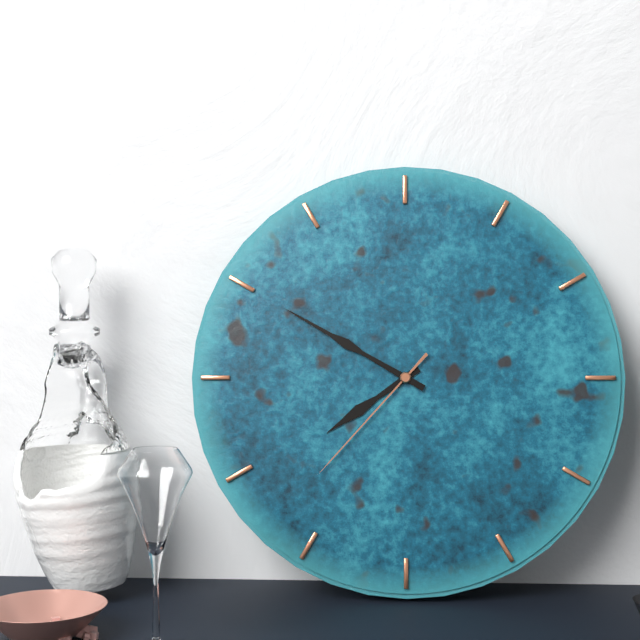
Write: 7,50,37
